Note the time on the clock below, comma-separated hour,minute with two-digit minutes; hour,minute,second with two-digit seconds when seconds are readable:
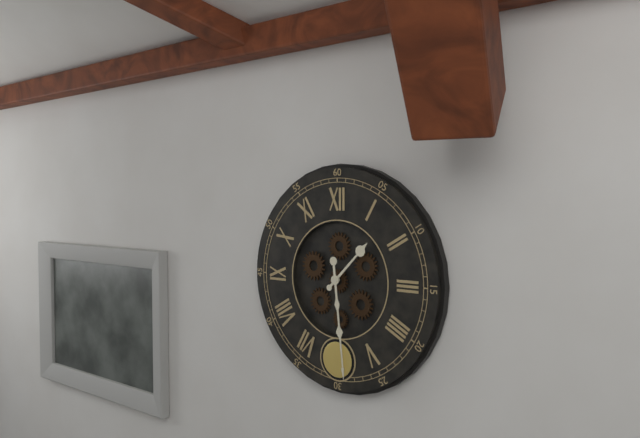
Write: 1,29
